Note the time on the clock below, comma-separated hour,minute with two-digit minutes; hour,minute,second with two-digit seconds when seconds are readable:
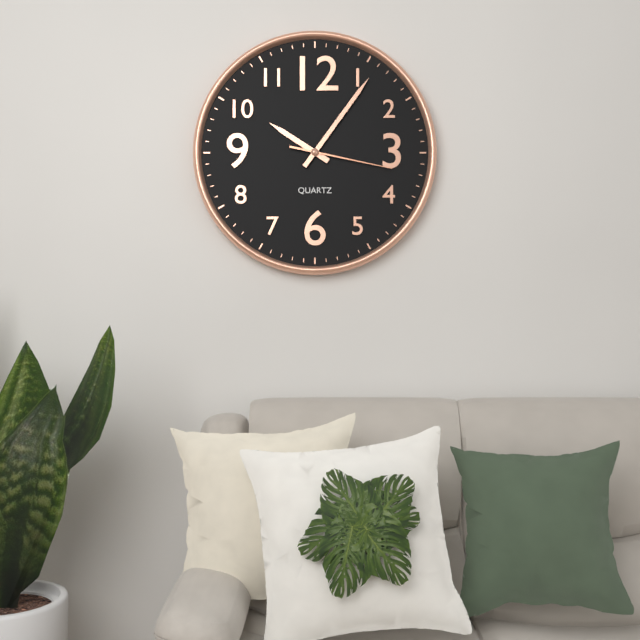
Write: 10,06,17
